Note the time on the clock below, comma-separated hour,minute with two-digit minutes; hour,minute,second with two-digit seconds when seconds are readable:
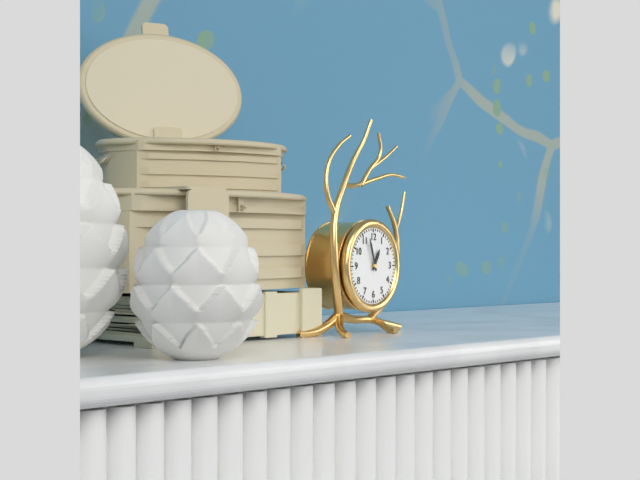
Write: 12,57
